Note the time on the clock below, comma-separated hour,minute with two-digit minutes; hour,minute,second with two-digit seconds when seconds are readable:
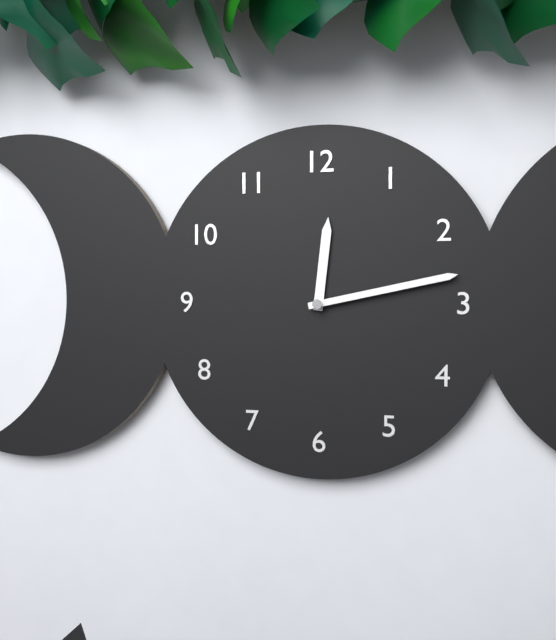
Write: 12,13
